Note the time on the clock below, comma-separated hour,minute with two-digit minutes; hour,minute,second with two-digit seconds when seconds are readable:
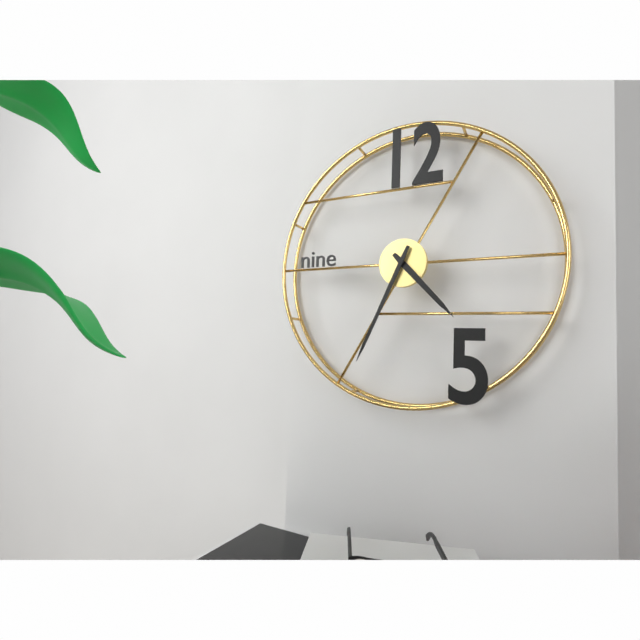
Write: 4,34
